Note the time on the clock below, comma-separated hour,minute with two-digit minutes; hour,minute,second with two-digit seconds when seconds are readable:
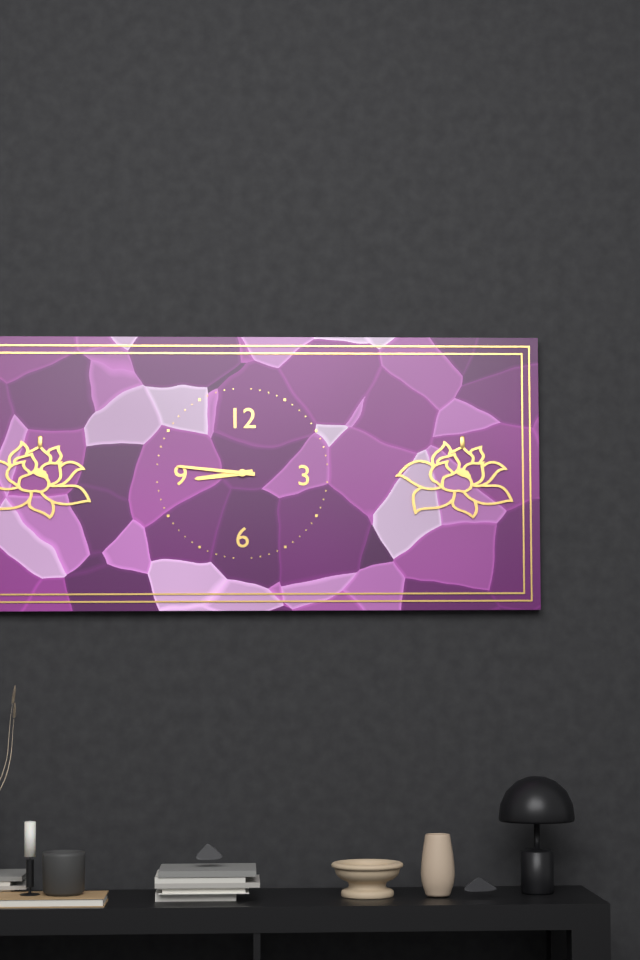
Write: 8,46
